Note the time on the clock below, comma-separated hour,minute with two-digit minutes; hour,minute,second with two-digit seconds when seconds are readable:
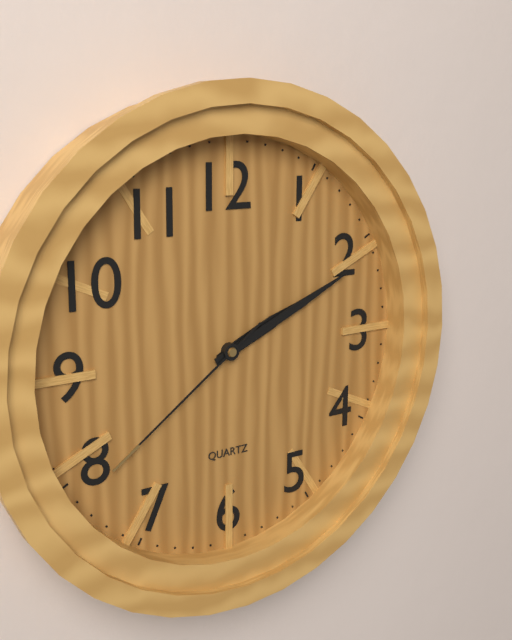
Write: 2,11,39
